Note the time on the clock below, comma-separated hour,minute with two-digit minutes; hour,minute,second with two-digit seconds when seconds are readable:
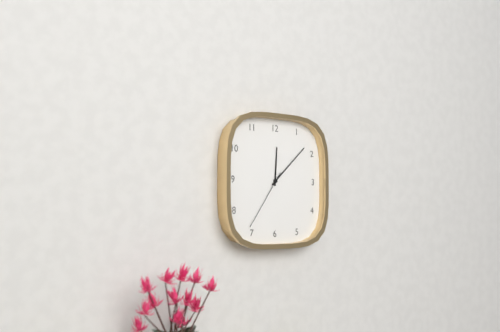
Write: 12,08,36
